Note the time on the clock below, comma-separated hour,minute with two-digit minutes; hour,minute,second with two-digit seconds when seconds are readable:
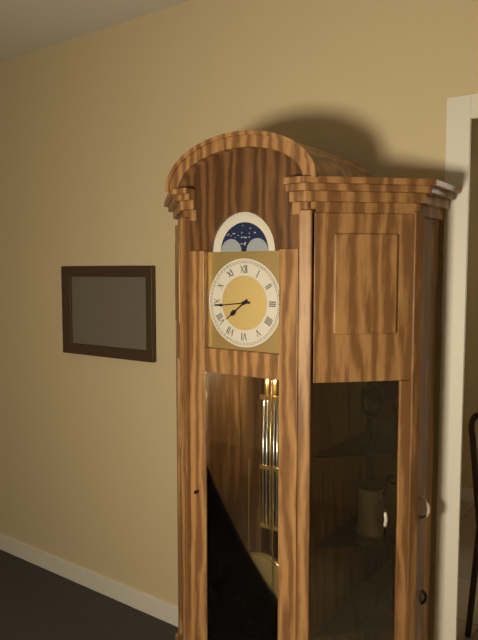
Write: 7,44
